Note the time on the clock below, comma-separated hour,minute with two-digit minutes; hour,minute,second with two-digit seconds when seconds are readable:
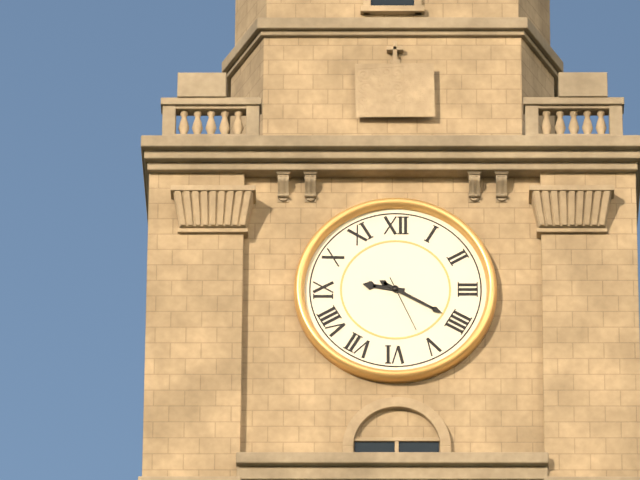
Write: 9,20,26
